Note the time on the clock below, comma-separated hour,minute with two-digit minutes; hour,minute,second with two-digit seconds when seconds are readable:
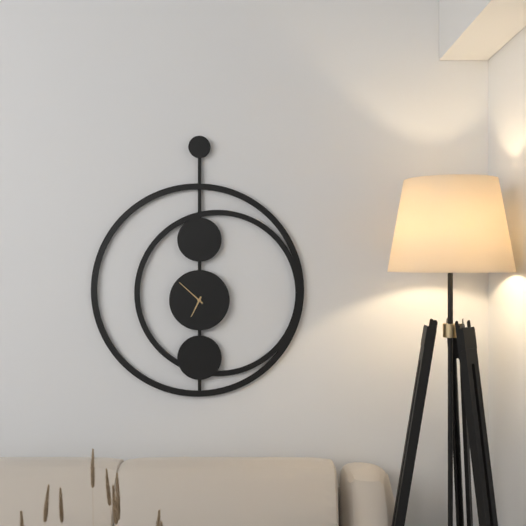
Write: 6,52
